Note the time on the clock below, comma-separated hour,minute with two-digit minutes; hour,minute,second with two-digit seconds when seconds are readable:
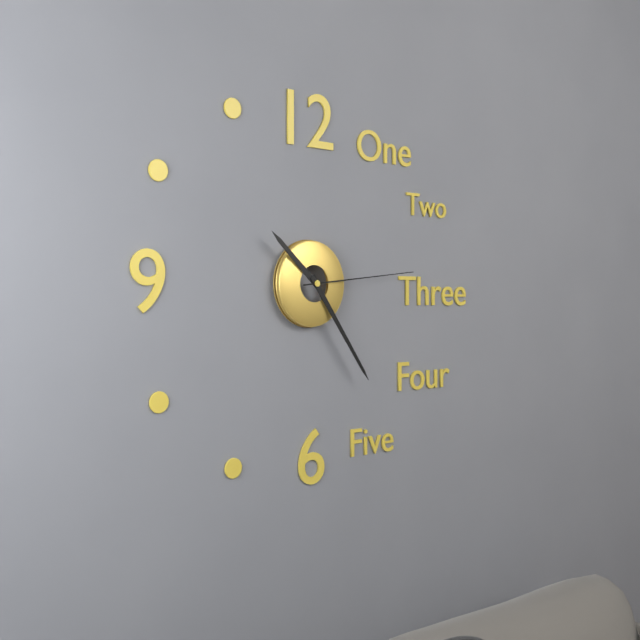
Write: 10,24,14
